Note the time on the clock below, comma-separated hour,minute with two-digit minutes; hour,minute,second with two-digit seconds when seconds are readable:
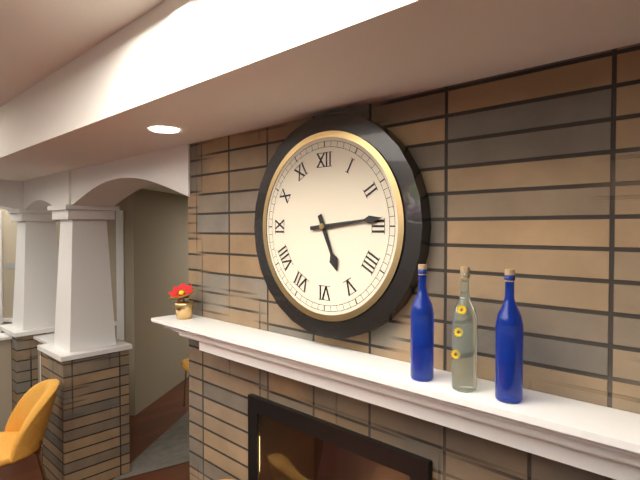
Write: 5,14
